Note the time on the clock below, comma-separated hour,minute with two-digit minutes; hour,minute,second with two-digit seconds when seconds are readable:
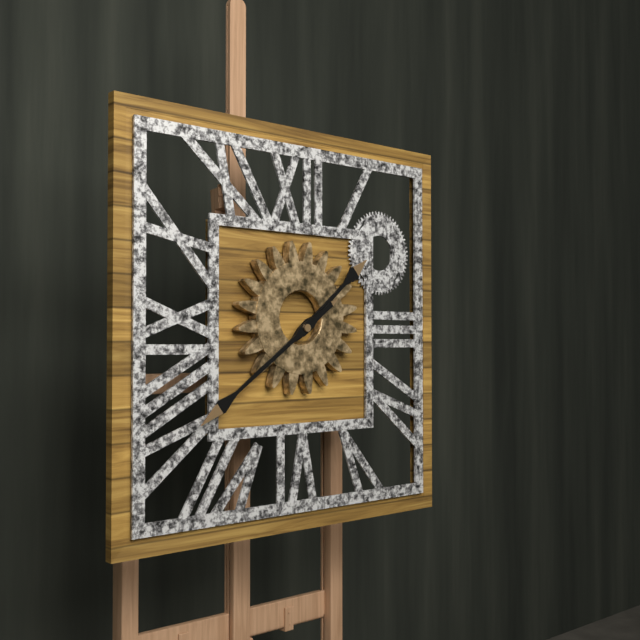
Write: 1,39
